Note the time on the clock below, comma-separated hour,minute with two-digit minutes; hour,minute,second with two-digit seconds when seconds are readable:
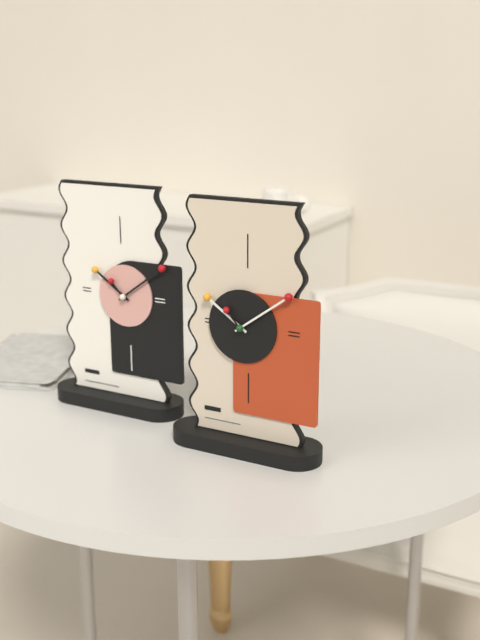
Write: 10,09
